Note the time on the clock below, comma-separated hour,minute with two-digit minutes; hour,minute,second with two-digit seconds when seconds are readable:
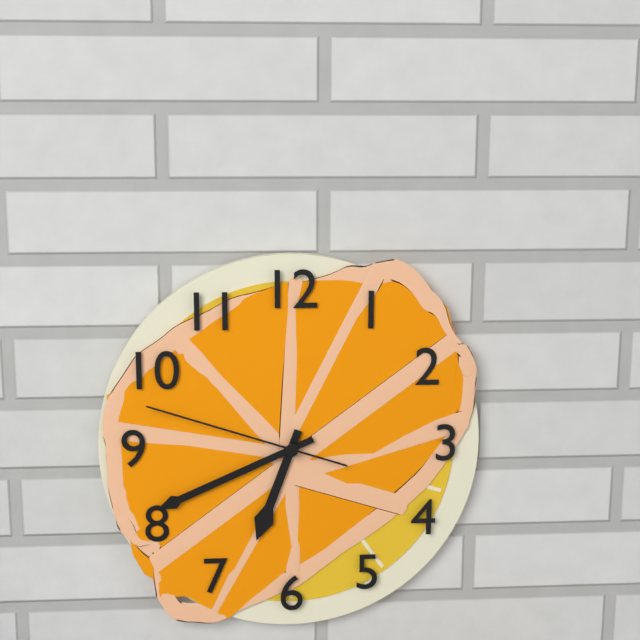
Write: 6,41,48
